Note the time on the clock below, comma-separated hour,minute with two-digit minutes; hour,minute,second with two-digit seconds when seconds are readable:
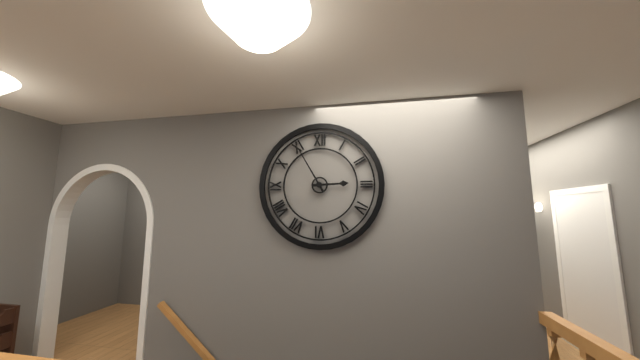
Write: 2,55
